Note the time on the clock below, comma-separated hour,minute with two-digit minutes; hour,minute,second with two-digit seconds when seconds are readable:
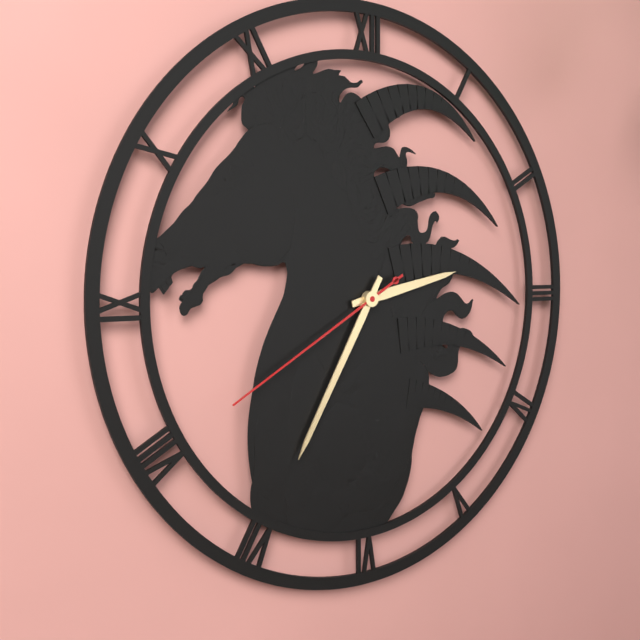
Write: 2,35,40
